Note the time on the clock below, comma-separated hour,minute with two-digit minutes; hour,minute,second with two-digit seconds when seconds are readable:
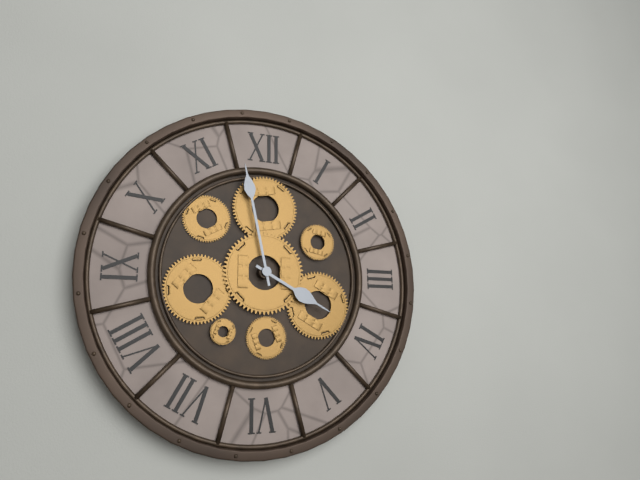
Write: 3,58
